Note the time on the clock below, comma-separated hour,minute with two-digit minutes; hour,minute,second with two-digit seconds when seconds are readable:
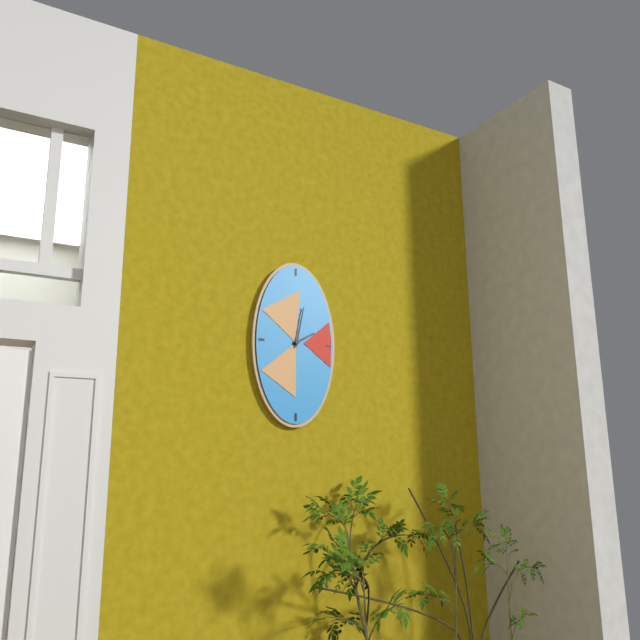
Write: 2,02
